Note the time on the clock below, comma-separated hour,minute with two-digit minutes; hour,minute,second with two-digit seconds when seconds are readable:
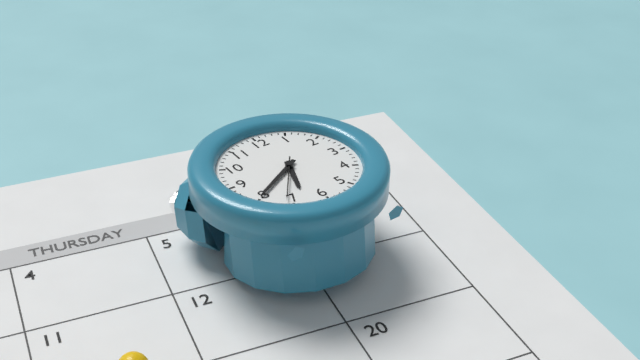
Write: 6,40
